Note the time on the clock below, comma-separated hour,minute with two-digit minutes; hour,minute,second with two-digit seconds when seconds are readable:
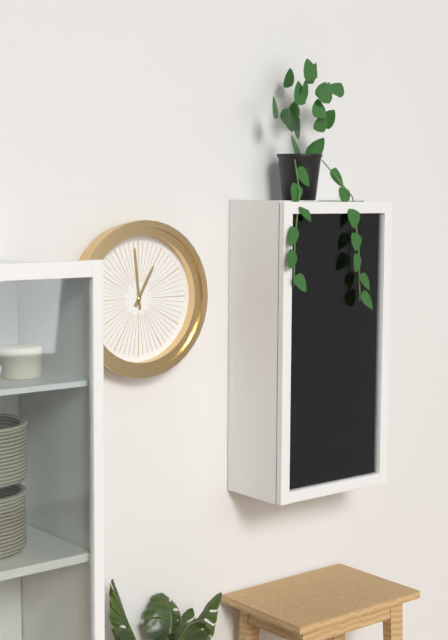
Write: 12,59
